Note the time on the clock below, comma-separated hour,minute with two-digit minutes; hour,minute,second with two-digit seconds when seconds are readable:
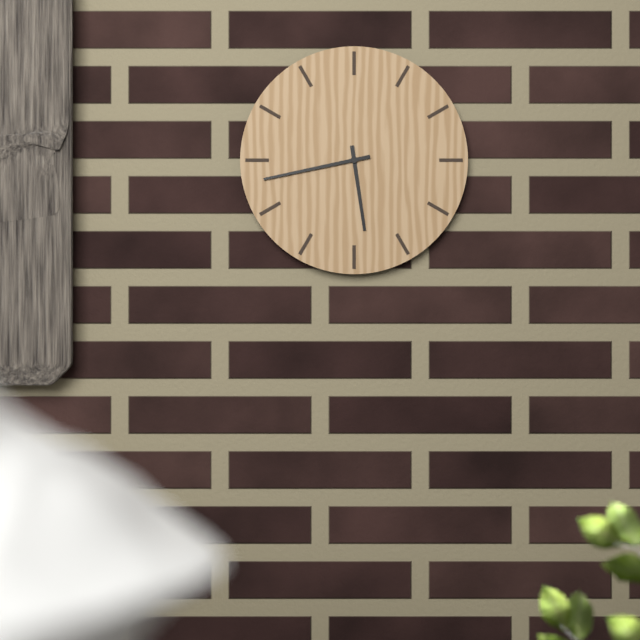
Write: 5,43
